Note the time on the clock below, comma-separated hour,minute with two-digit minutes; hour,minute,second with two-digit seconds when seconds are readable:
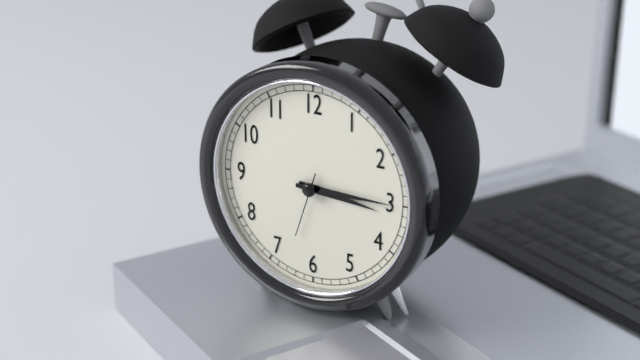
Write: 3,15,33
